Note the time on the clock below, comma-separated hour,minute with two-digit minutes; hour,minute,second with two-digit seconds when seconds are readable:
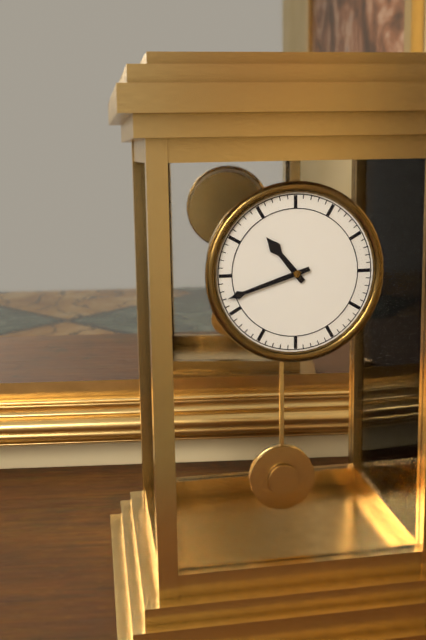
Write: 10,42
